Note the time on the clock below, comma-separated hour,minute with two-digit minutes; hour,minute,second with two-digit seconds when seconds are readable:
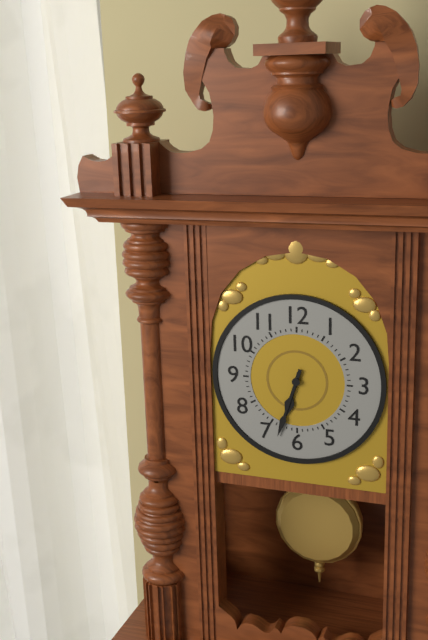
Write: 6,33
